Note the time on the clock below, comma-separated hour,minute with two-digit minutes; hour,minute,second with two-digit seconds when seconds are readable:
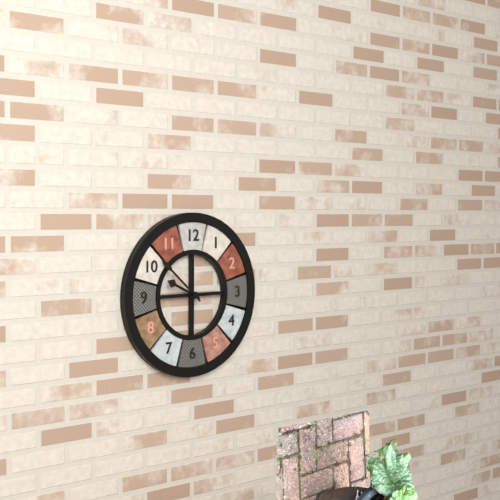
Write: 9,52
